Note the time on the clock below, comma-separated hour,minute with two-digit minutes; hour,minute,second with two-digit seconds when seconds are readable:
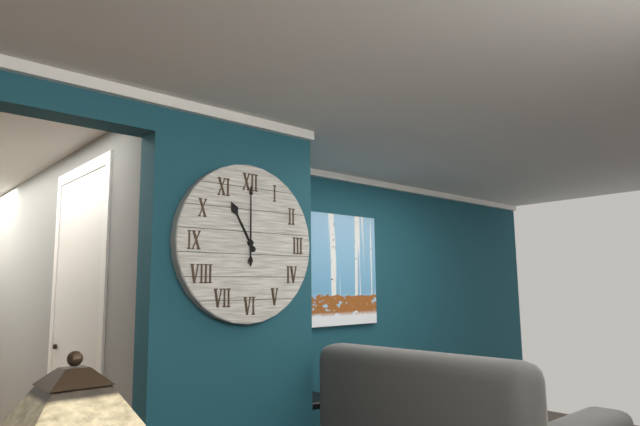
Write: 11,00
